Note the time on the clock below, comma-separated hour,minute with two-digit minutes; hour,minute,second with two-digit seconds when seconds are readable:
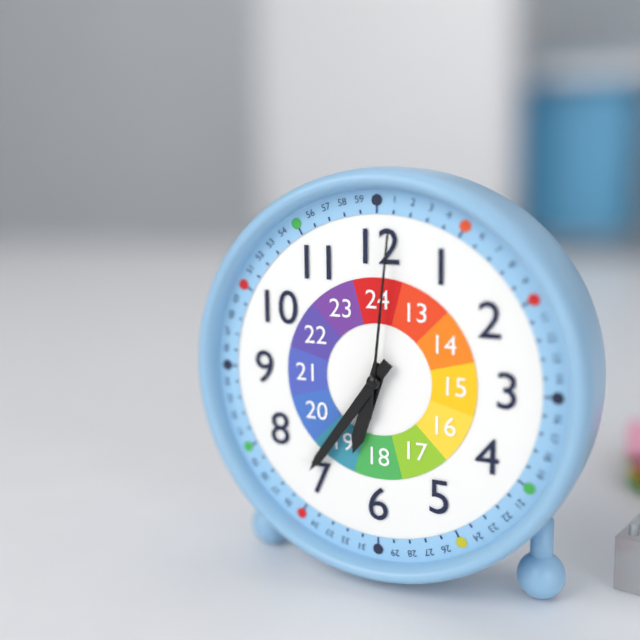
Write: 6,36,01
